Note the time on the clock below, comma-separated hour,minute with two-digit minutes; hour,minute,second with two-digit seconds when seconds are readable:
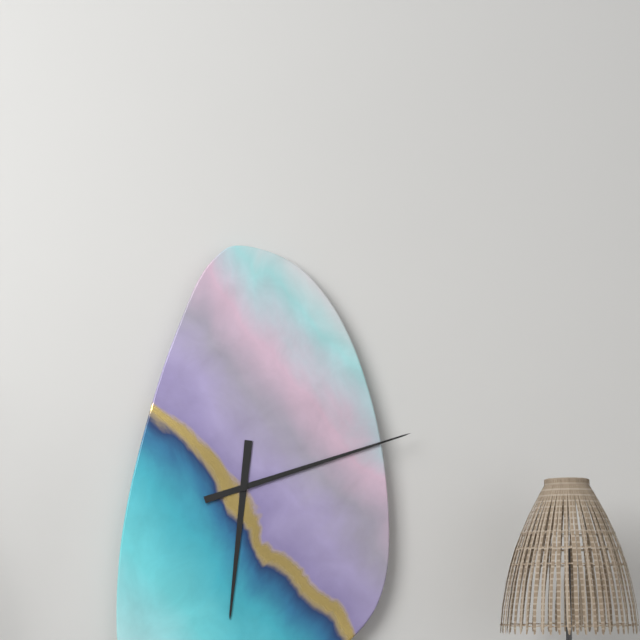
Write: 6,12
